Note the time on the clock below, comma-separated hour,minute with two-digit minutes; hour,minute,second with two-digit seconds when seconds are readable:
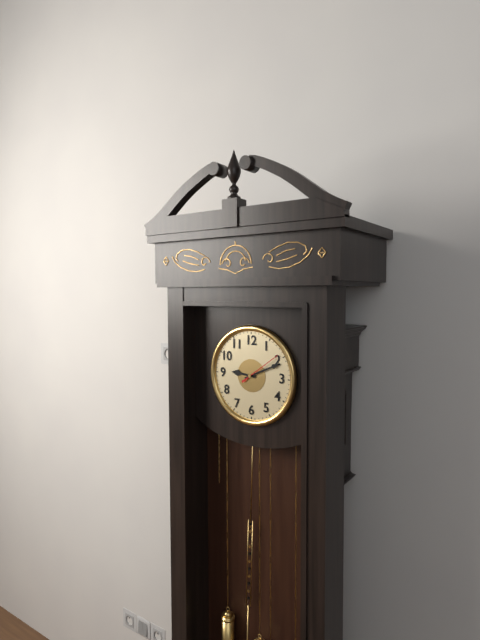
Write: 9,11
